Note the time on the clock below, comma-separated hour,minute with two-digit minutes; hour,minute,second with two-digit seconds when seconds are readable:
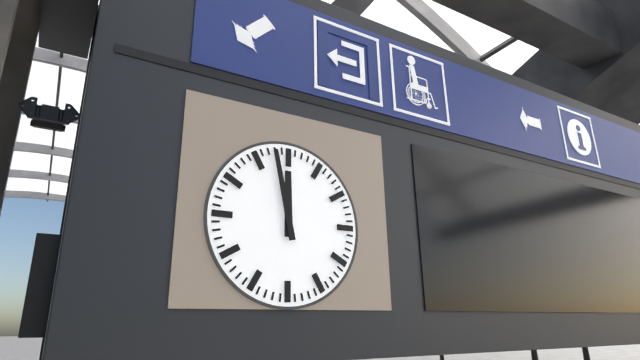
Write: 11,58
